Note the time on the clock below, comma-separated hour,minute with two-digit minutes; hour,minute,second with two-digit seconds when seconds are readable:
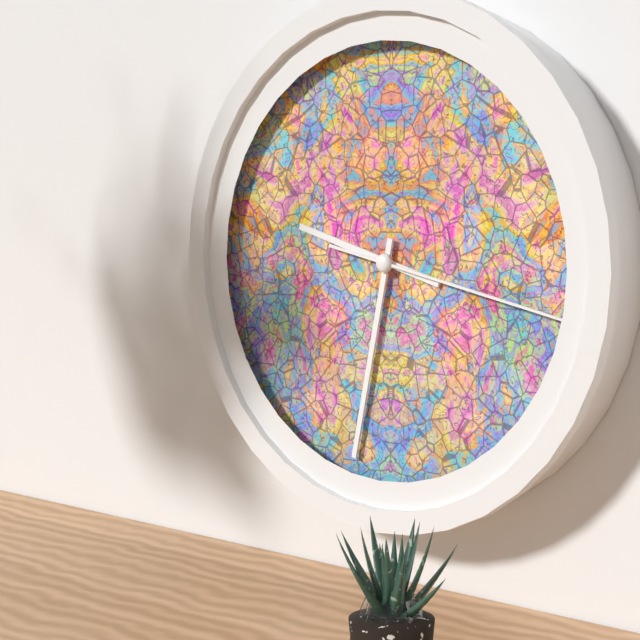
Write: 9,32,17
